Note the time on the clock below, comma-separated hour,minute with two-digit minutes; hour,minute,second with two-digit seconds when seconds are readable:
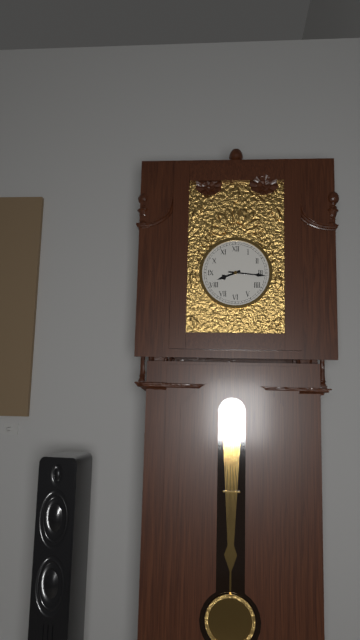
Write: 8,16
